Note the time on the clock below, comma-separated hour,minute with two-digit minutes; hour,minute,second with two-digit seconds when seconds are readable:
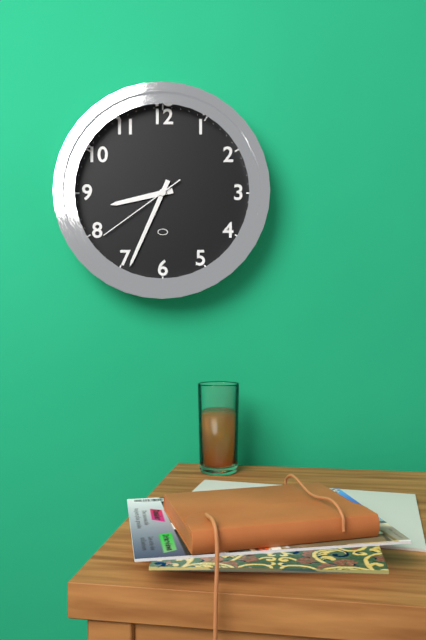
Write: 8,34,39
